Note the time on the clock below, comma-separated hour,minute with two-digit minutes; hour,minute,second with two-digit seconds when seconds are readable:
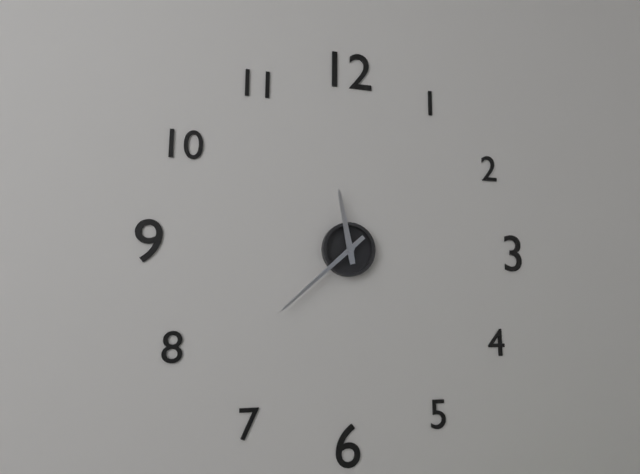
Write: 11,38
